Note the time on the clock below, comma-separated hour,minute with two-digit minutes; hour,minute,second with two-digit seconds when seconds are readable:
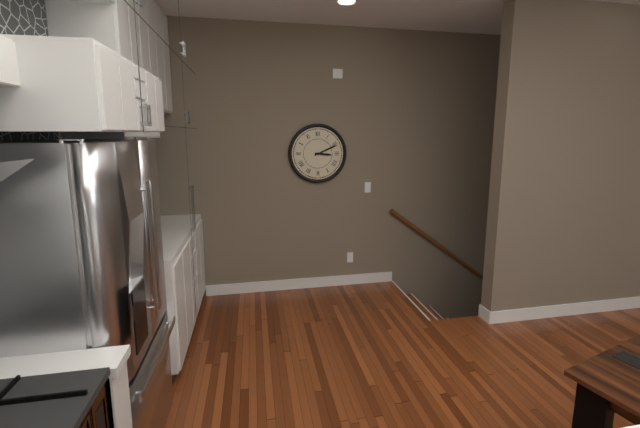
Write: 3,11
